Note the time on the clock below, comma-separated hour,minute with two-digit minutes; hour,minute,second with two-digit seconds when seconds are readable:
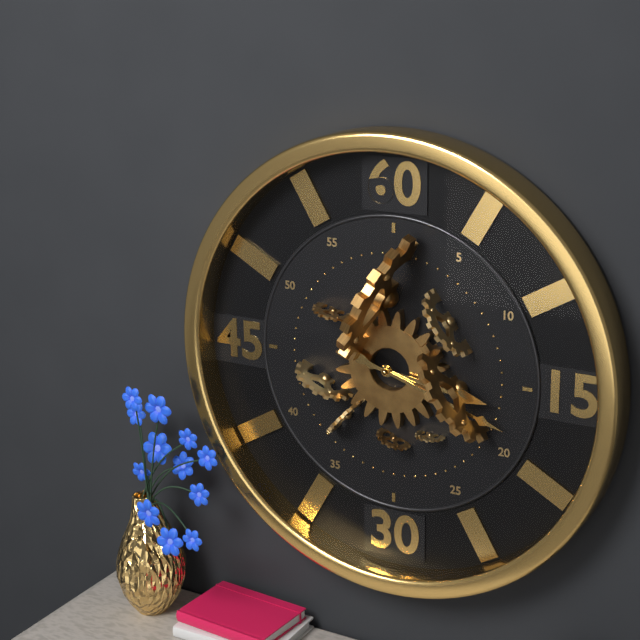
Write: 3,18
